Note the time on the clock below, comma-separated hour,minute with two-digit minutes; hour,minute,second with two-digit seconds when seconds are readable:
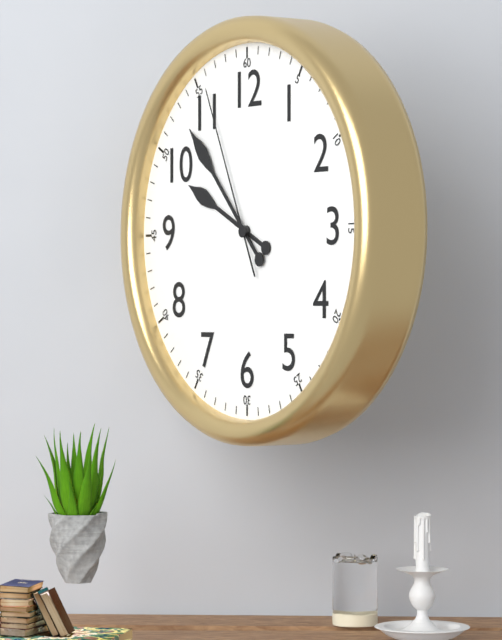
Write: 9,53,56
